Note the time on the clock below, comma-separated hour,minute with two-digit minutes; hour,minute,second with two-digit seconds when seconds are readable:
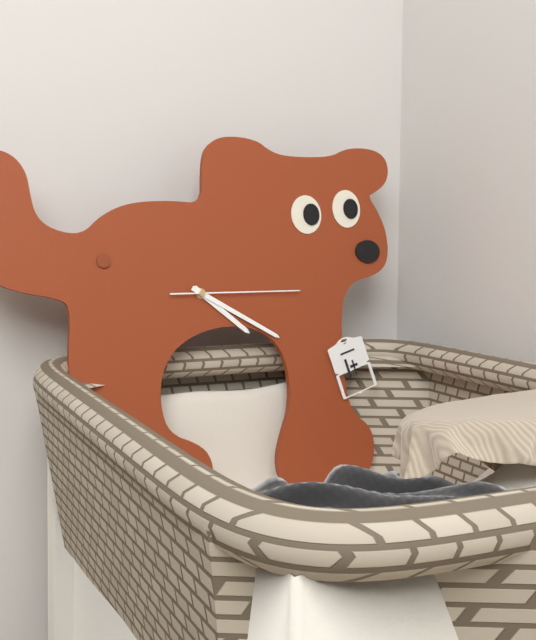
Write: 4,20,15
